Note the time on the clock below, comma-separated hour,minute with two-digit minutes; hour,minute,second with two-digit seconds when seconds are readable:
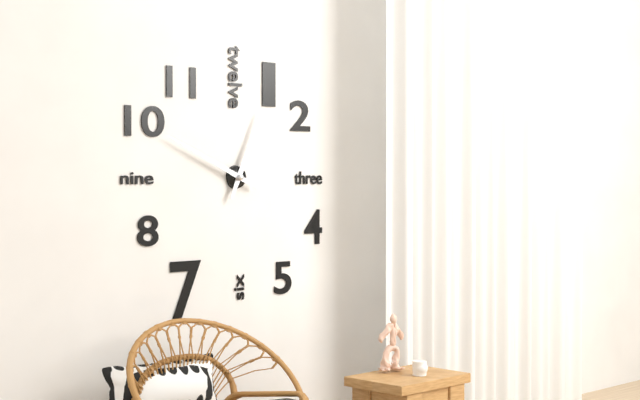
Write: 12,49
